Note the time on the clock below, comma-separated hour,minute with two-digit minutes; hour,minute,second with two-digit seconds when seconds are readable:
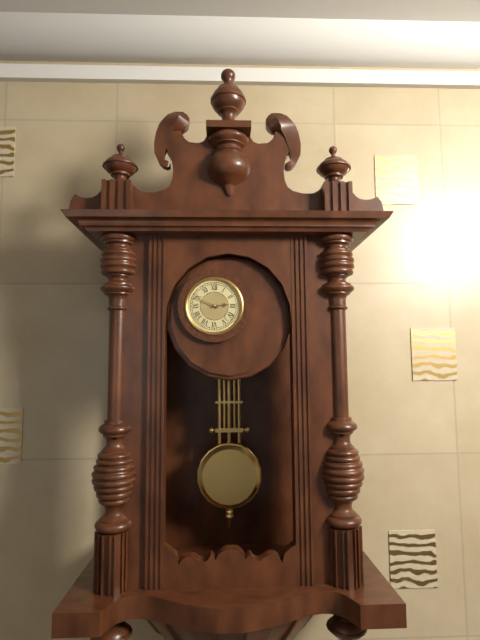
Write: 2,49
